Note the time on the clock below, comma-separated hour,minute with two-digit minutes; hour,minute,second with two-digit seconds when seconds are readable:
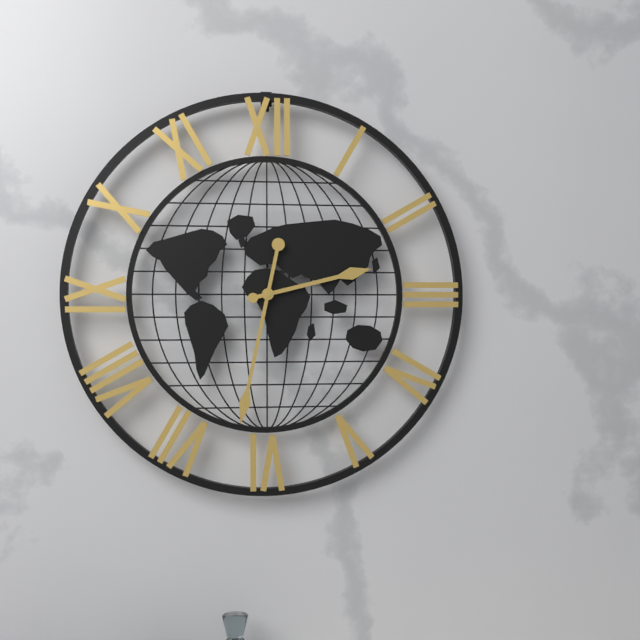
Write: 2,32
